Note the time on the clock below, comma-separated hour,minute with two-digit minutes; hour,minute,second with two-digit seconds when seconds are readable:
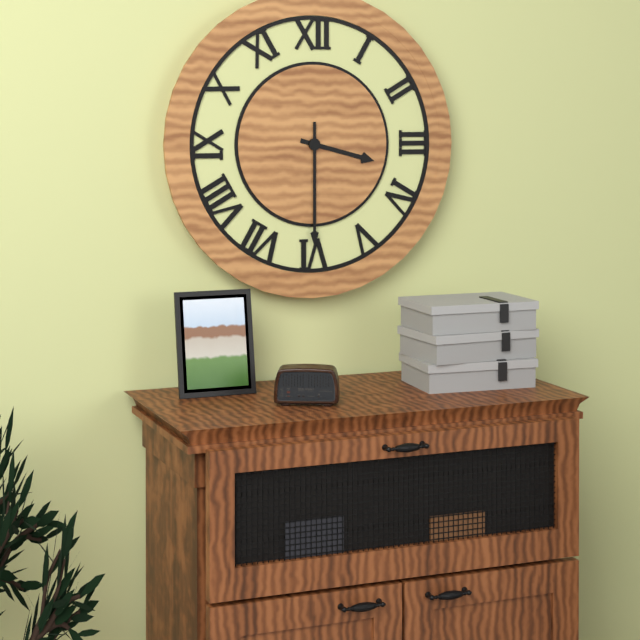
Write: 3,30
